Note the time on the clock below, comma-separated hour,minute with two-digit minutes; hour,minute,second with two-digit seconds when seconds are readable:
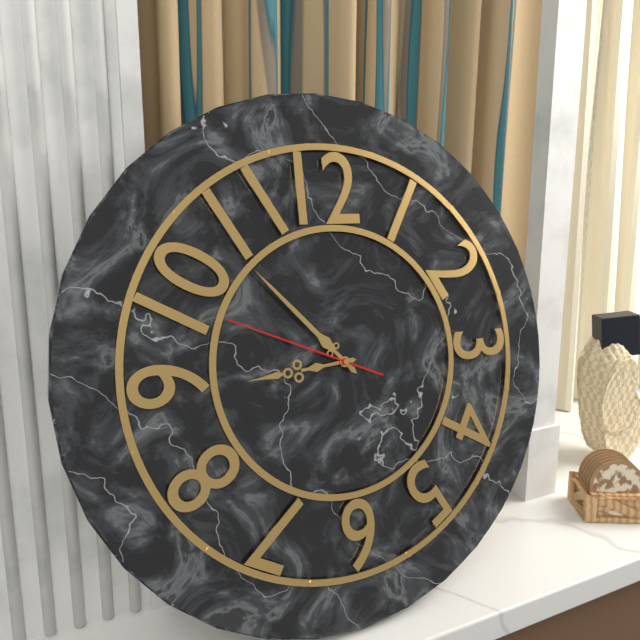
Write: 8,53,49
